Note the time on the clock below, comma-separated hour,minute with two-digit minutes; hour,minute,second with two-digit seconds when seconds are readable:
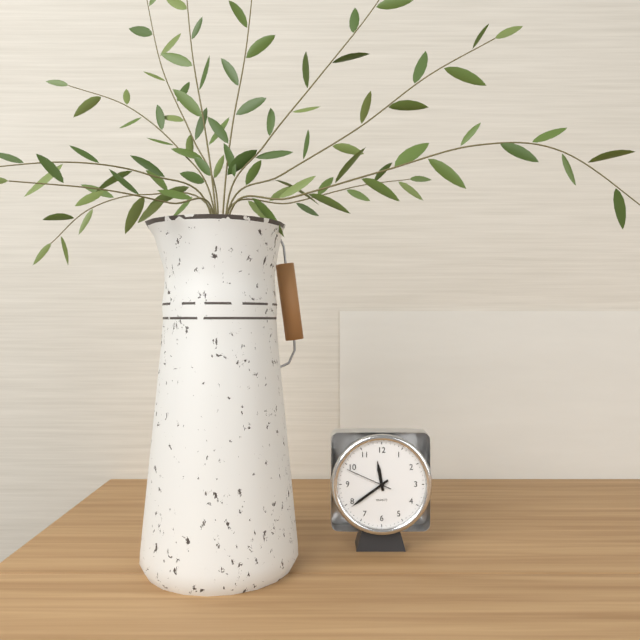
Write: 11,39
